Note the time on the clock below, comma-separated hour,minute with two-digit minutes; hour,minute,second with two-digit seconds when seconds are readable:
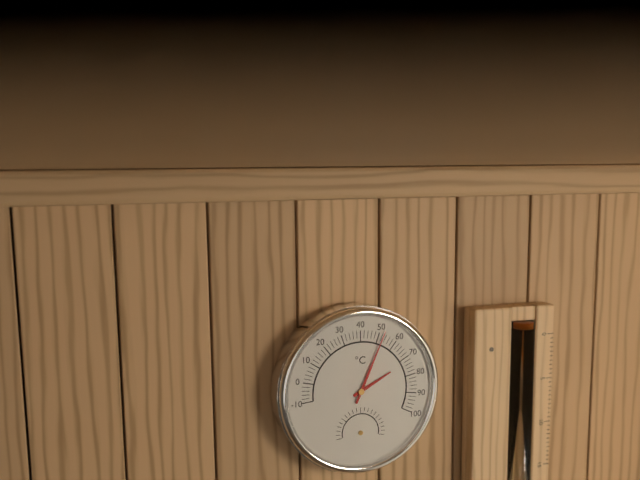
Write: 2,04
